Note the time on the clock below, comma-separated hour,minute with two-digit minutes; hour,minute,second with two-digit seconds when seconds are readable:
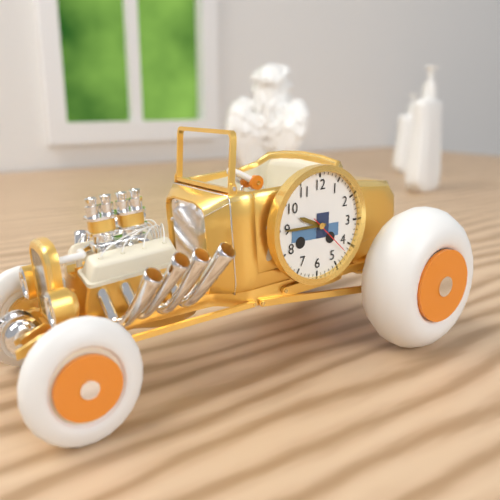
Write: 9,45
